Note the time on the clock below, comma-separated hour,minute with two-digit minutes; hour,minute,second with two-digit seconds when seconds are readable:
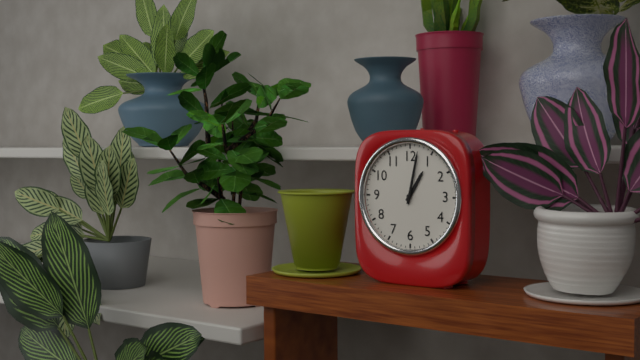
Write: 1,02
